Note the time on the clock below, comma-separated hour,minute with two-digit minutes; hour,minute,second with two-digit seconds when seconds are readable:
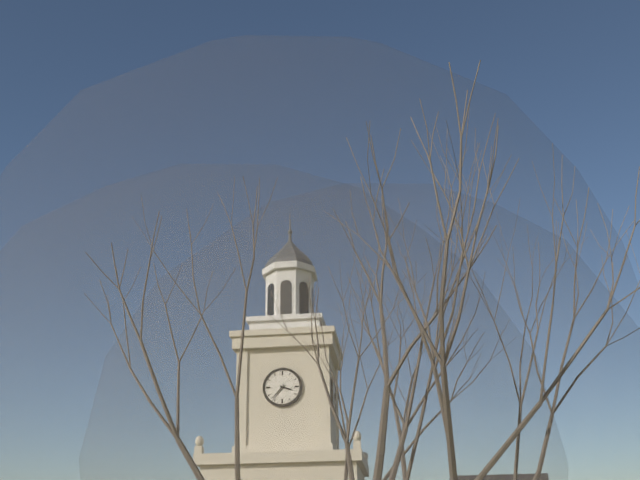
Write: 3,37
